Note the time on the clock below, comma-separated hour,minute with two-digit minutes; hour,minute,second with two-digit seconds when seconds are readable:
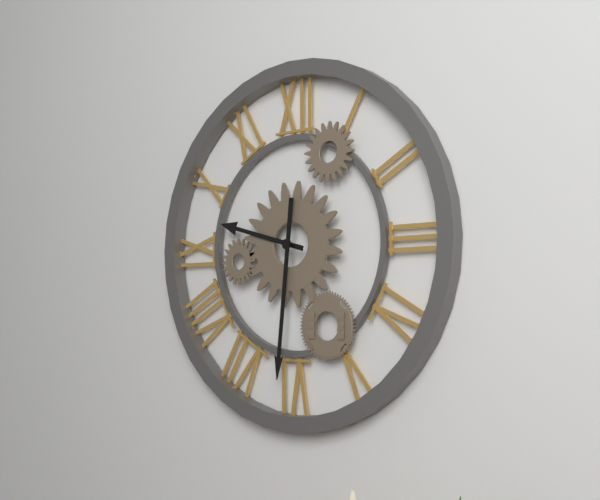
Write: 9,31
